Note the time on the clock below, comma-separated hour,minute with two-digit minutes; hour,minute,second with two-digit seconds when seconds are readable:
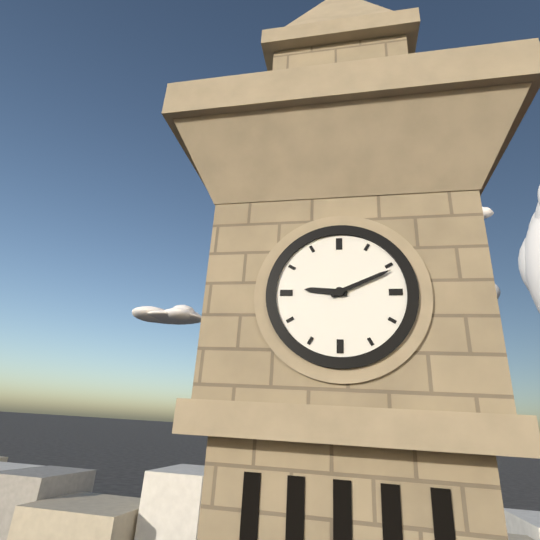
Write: 9,11
